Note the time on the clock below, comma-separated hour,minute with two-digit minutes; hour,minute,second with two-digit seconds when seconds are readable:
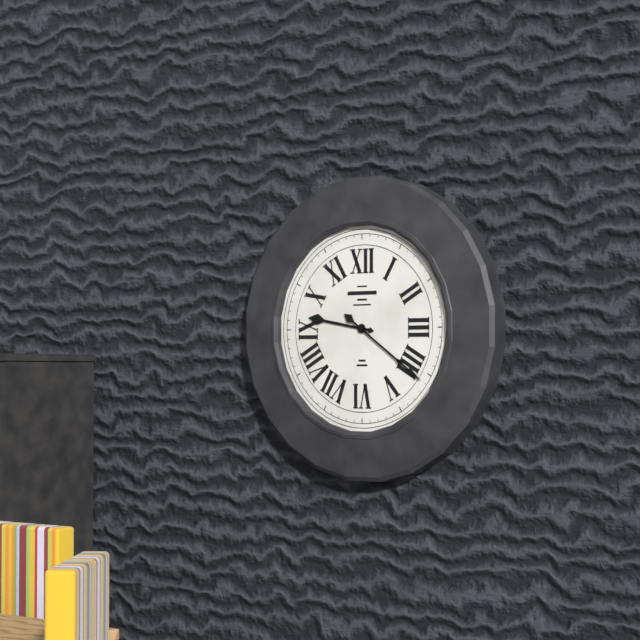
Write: 9,21
